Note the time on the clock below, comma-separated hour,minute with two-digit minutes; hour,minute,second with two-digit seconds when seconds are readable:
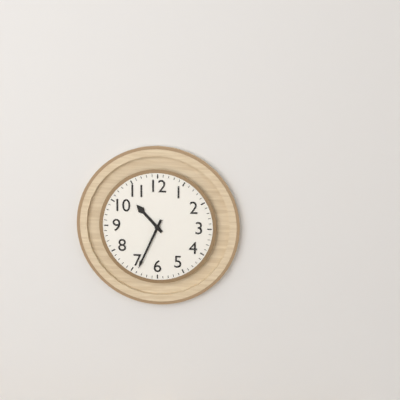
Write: 10,34
